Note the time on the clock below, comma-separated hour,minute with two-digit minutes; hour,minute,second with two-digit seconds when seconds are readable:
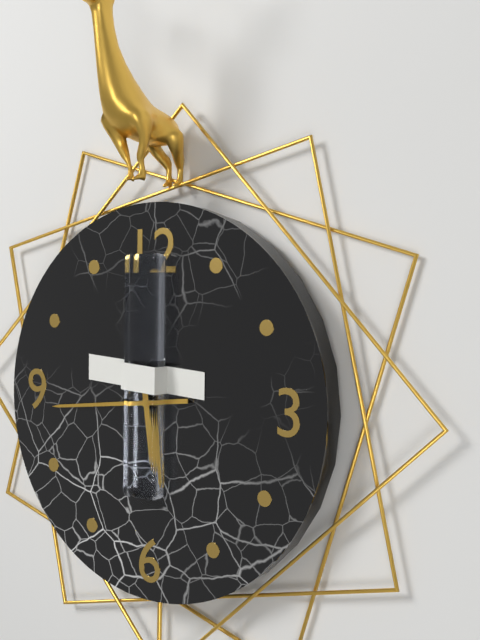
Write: 5,44
